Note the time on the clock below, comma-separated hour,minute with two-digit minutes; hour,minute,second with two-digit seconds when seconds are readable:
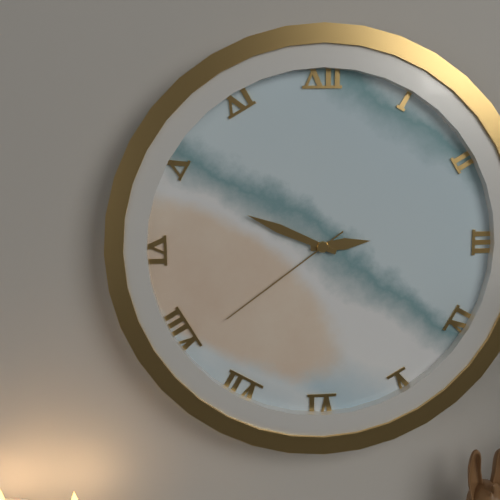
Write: 2,49,39
